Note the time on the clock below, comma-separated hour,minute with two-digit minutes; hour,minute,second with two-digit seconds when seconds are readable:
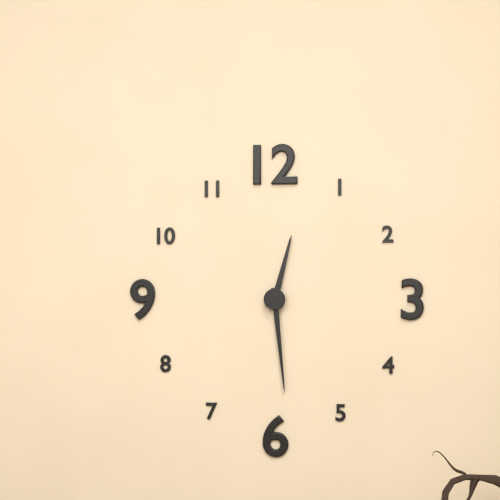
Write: 12,29
